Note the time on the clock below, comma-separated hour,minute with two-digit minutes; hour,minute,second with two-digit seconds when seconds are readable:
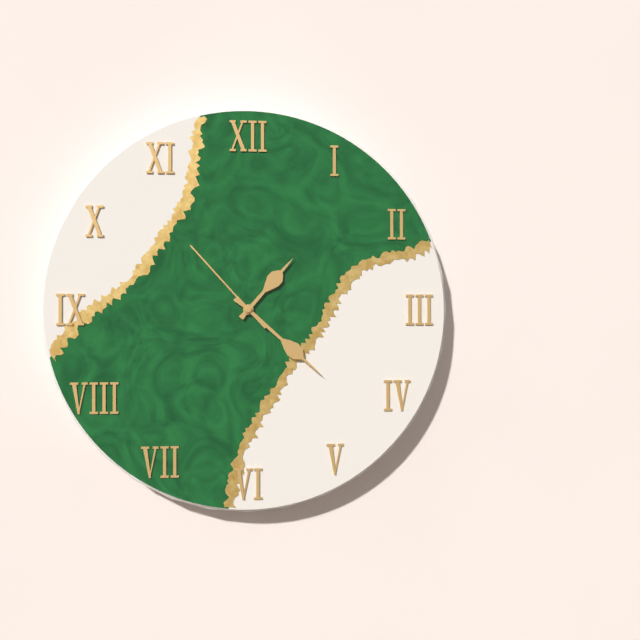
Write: 1,22,53
